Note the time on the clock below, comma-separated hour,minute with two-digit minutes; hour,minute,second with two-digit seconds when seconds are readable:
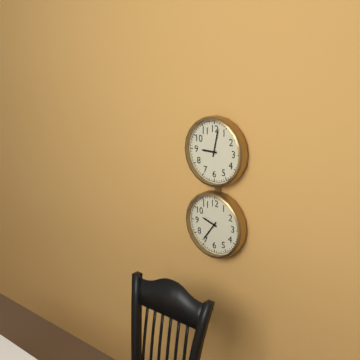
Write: 9,02
